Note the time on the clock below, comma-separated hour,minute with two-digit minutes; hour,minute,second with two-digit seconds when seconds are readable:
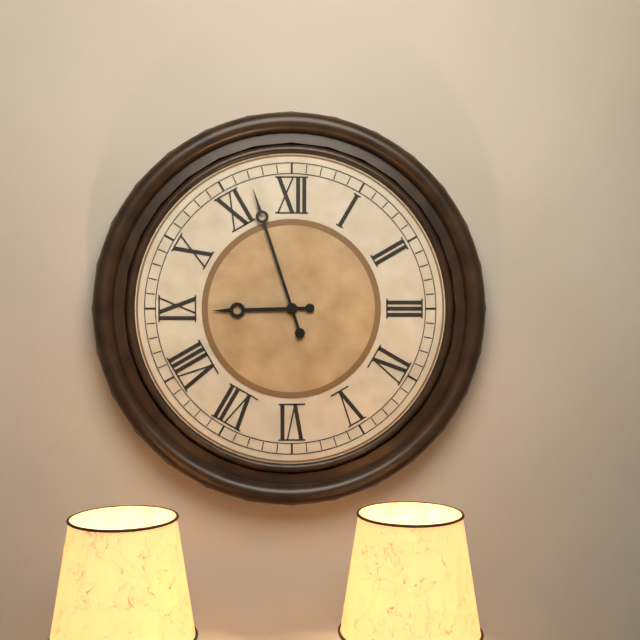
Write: 8,57
